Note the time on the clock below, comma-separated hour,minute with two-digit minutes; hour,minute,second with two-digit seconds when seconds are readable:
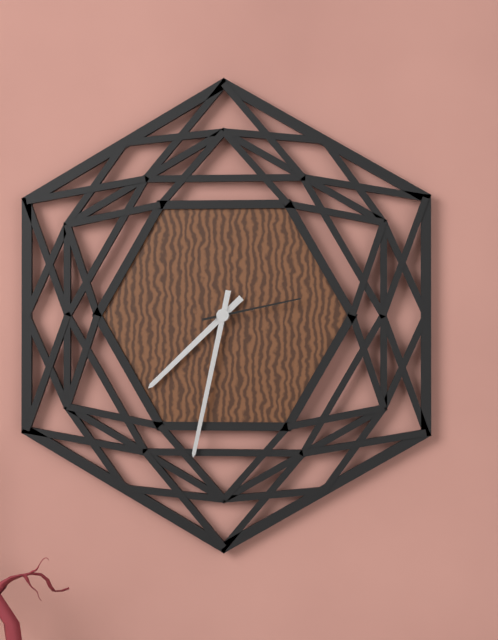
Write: 7,32,13
